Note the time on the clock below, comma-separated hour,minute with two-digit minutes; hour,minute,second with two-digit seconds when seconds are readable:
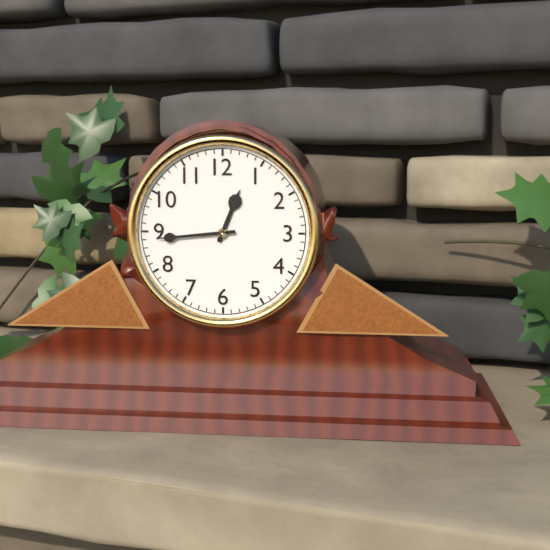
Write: 12,44
